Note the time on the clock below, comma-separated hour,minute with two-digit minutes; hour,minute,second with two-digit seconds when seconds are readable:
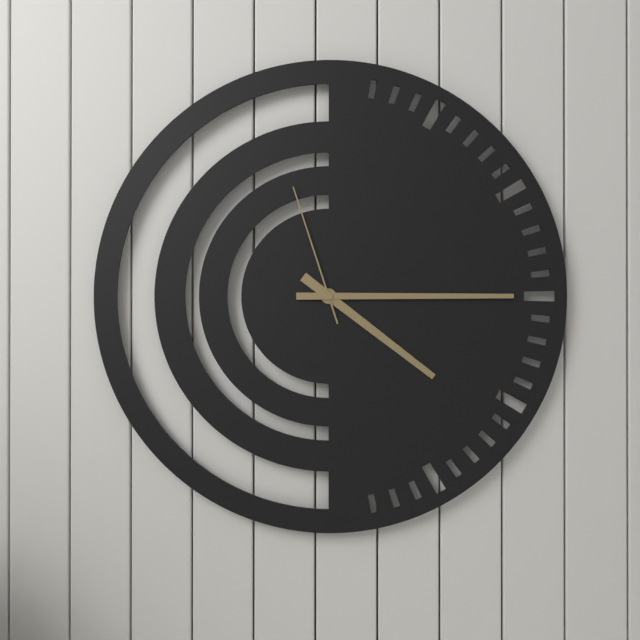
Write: 4,15,57
